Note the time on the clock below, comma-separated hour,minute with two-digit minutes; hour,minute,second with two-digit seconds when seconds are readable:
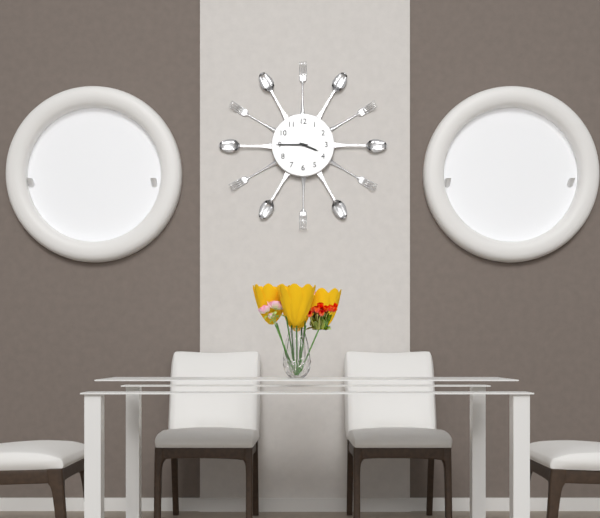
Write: 3,45
